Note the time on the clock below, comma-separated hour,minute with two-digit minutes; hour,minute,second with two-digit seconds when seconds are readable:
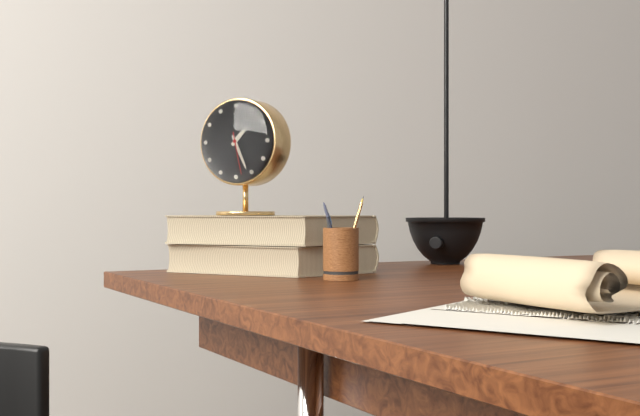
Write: 1,26
